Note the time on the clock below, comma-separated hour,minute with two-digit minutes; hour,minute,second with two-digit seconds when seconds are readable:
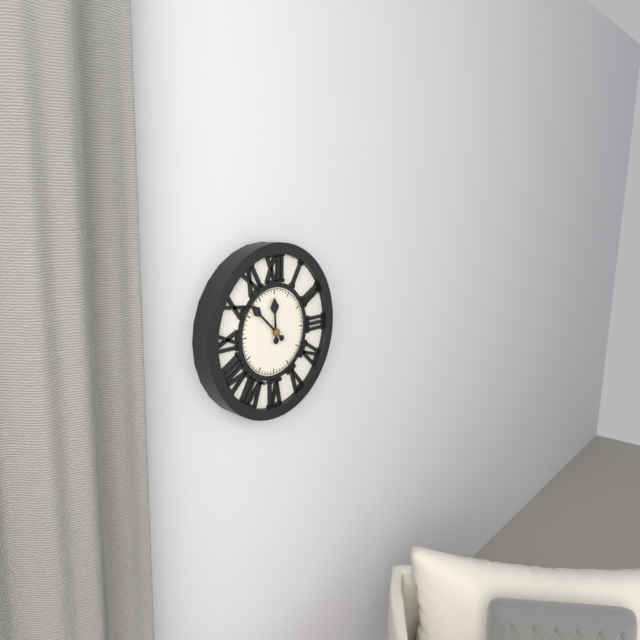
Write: 11,52
